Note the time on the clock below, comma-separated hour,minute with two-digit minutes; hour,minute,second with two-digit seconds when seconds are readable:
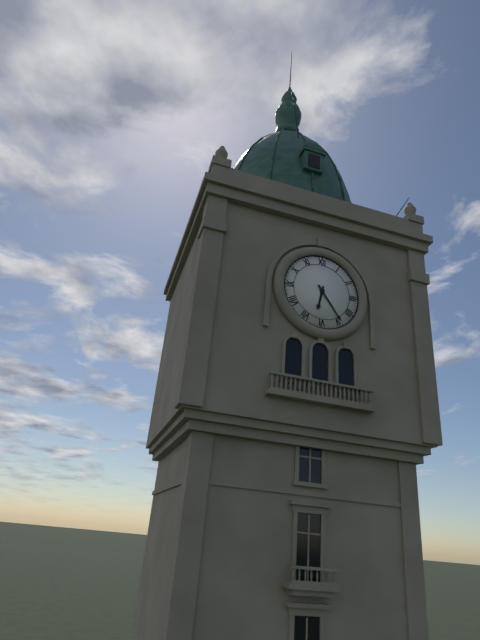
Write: 6,24
